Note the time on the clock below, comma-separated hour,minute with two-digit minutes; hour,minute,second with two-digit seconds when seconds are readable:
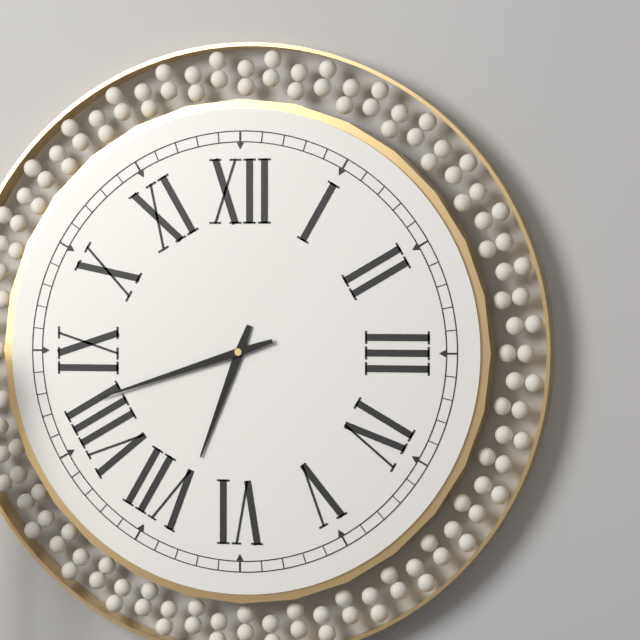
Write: 6,42
